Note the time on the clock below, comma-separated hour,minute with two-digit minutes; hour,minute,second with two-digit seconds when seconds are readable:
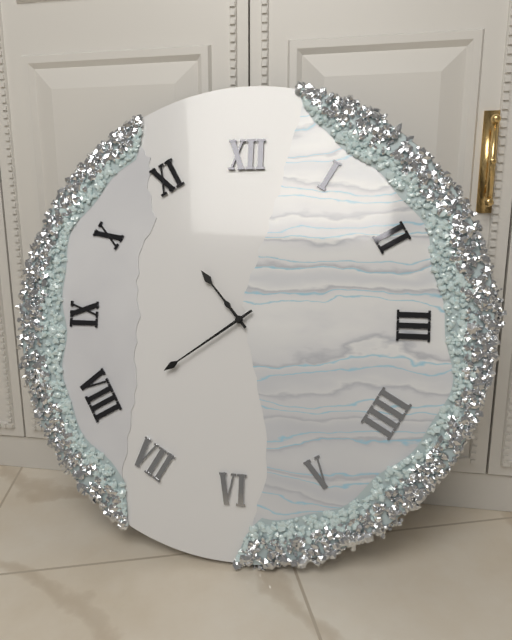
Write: 10,39
